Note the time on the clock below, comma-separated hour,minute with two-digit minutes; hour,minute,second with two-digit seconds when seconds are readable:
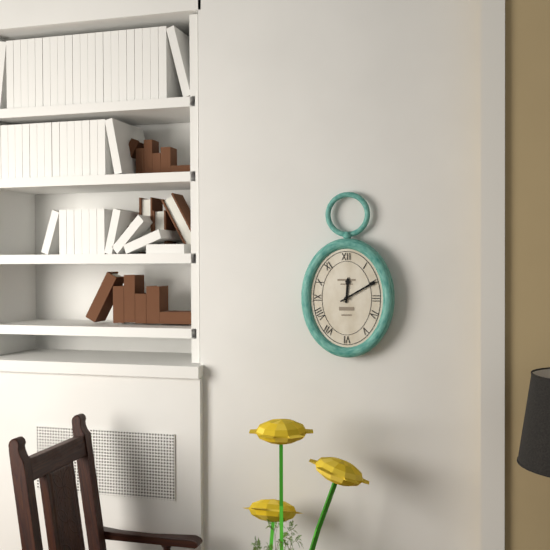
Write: 12,10
